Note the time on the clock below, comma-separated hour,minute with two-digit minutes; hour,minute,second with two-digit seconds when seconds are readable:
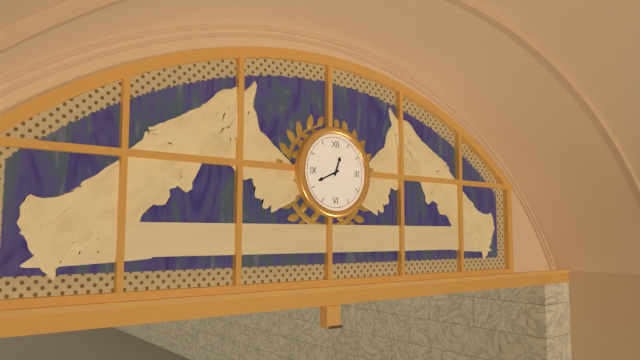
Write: 12,41
